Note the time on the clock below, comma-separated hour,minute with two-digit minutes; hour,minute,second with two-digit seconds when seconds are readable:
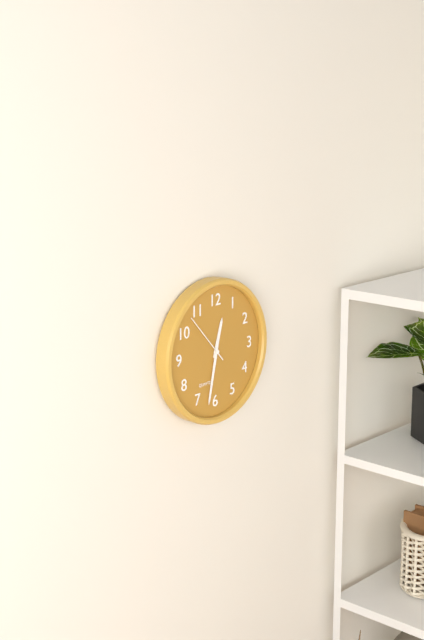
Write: 12,32,53
